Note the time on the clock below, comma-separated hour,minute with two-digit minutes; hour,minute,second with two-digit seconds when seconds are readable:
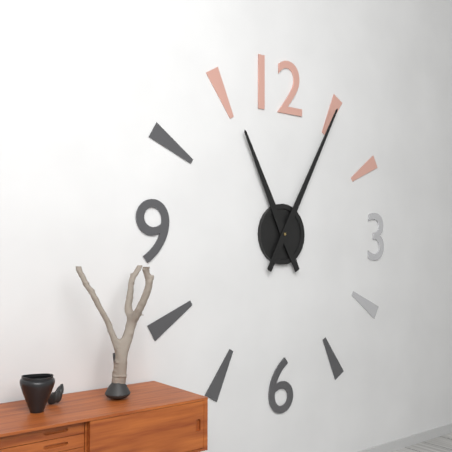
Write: 11,05
